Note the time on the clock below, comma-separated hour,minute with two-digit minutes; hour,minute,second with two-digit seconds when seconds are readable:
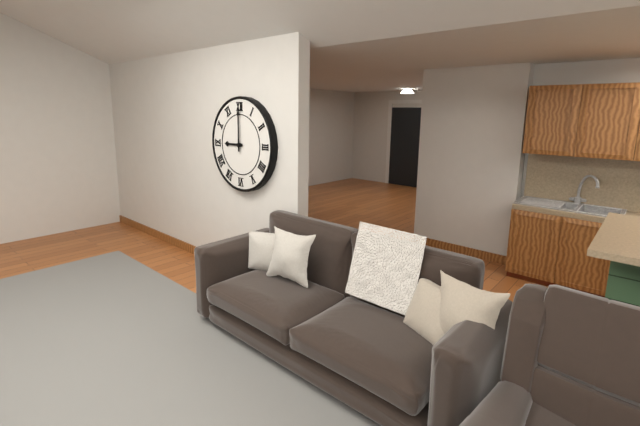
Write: 9,00
